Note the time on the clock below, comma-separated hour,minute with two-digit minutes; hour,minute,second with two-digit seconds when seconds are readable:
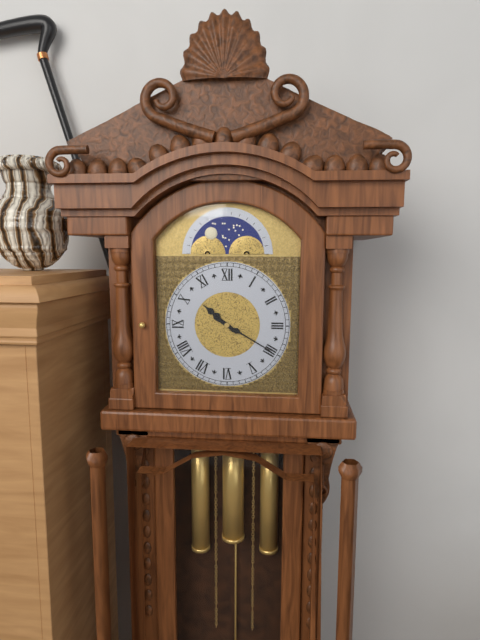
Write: 10,20
